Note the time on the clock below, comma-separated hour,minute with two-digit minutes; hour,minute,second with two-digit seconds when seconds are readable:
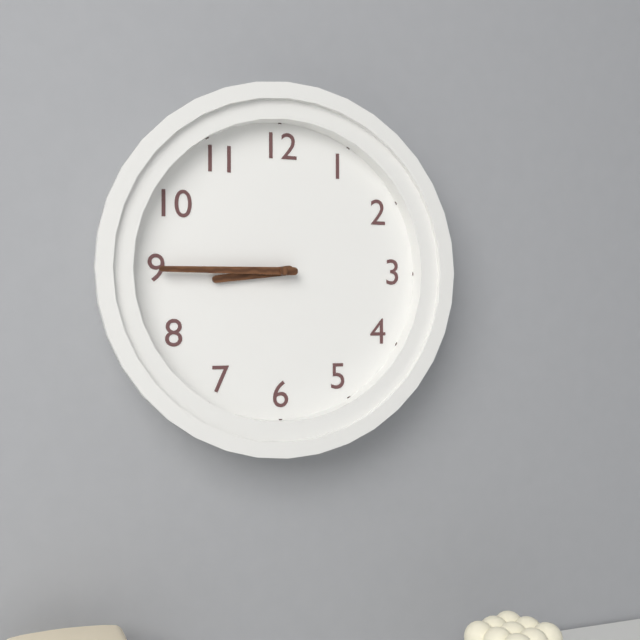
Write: 8,45
